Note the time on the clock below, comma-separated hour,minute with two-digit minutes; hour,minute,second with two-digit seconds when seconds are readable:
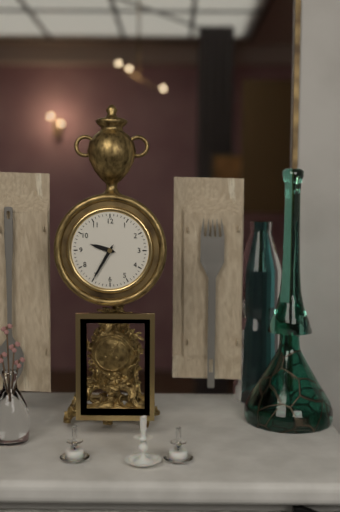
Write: 9,35
